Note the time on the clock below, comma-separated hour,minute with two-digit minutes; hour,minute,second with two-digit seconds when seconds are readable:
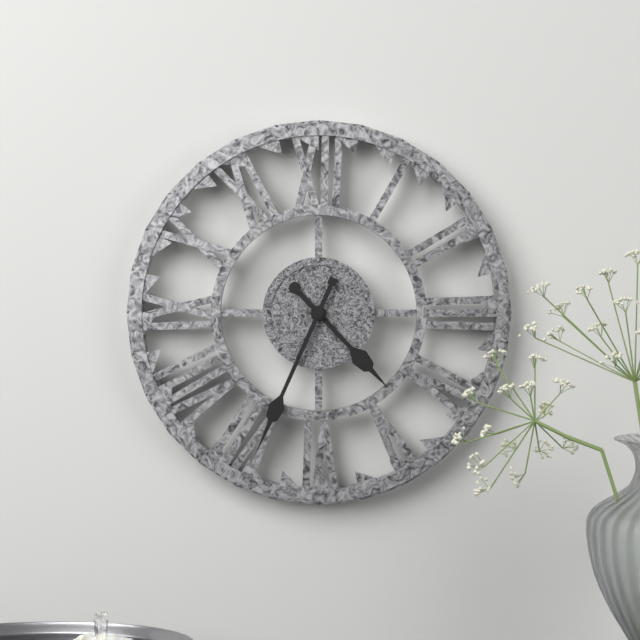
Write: 4,34
